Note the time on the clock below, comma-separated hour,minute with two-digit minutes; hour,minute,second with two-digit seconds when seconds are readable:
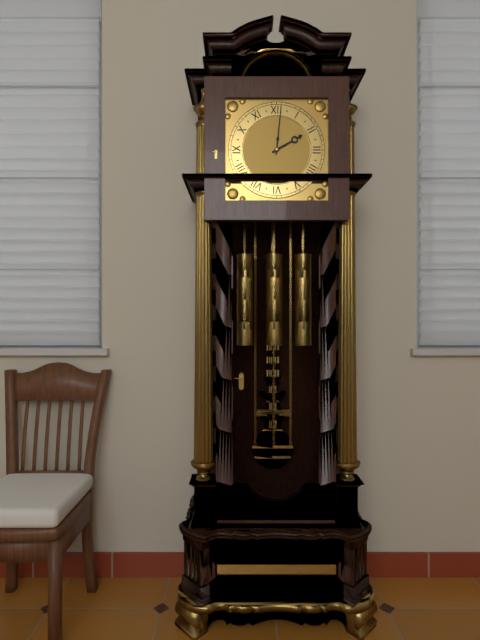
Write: 2,01
